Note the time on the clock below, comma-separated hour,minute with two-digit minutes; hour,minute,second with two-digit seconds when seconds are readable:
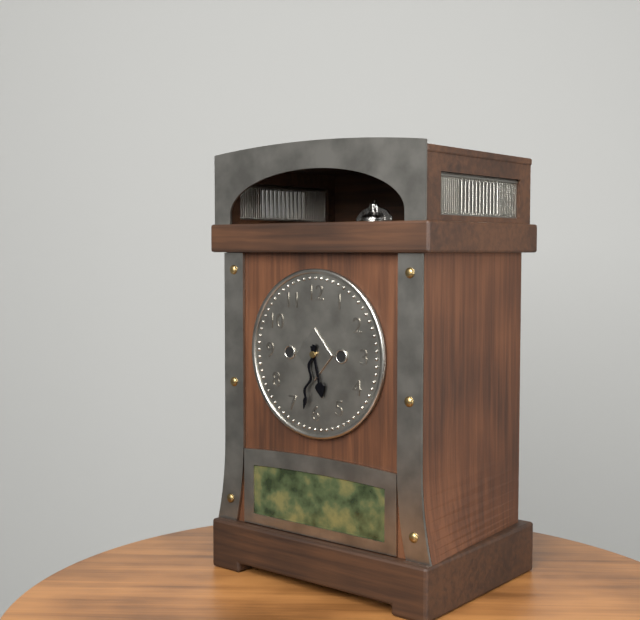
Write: 5,32
